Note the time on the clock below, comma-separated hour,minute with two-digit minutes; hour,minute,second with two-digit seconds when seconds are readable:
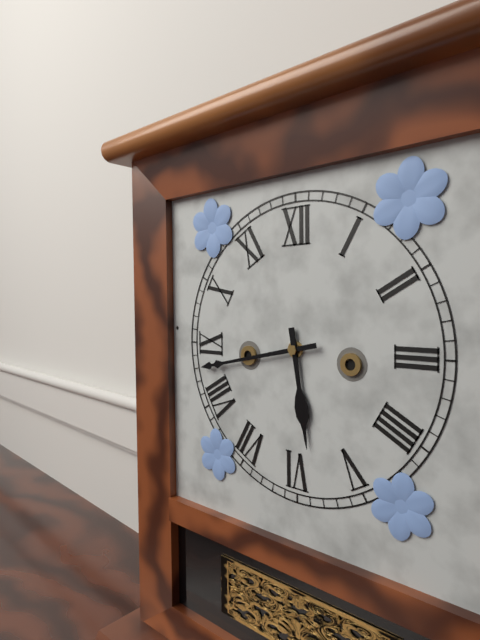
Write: 5,43
